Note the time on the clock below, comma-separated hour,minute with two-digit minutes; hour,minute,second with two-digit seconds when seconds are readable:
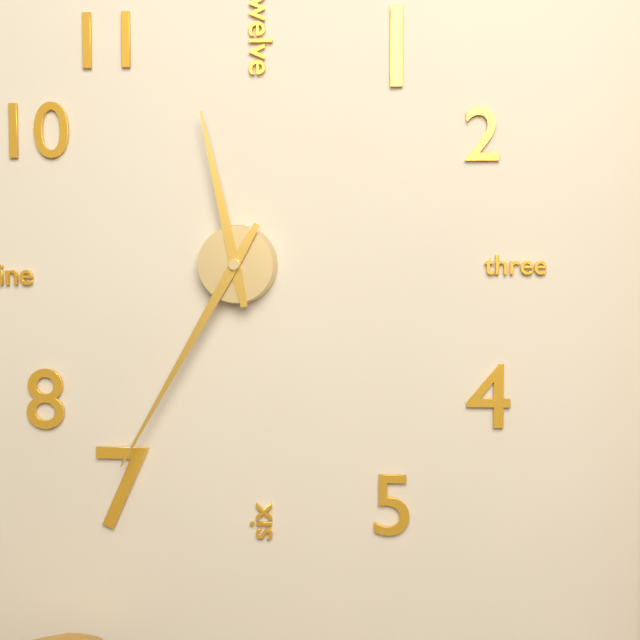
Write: 11,35
